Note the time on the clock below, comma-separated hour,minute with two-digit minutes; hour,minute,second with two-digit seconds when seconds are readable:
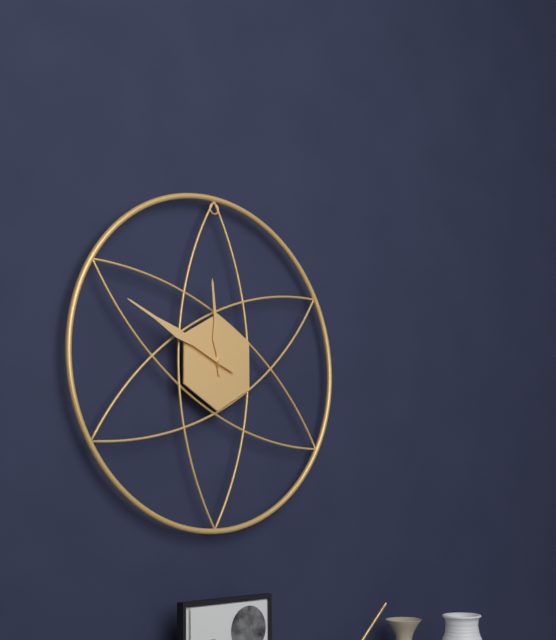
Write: 11,49
